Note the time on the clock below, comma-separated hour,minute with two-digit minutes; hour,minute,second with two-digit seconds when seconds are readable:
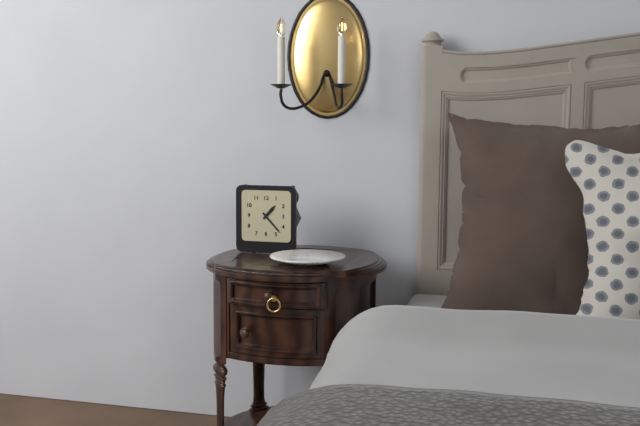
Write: 1,23
